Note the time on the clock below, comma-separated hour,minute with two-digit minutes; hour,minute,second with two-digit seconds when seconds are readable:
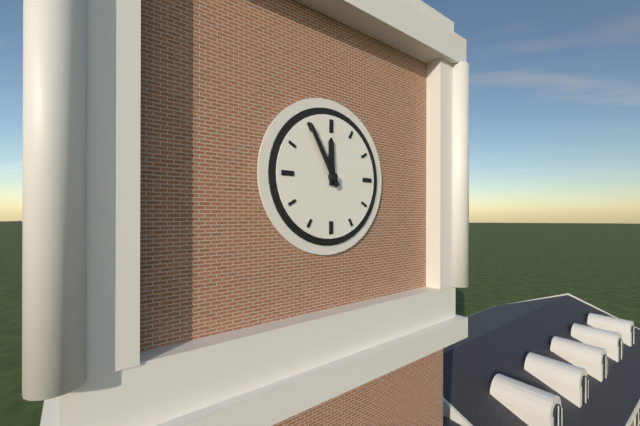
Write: 11,55
